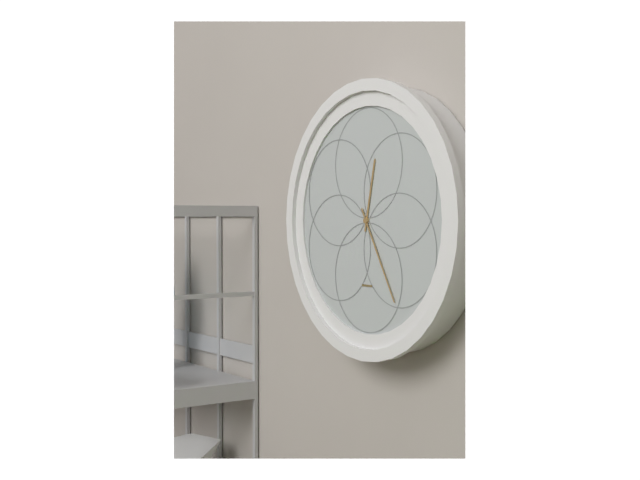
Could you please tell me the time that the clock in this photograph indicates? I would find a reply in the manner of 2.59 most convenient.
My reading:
12.25
